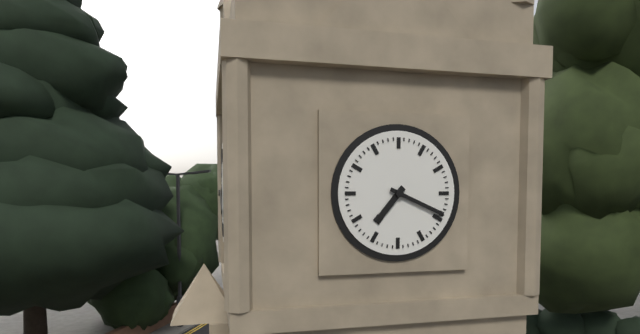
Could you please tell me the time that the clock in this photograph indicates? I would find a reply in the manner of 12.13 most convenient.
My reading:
7.19
